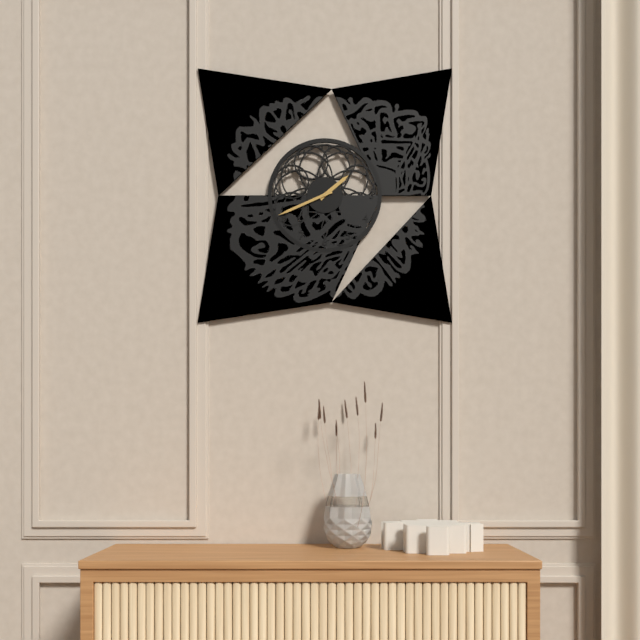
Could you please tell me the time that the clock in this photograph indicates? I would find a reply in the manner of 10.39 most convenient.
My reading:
1.41
